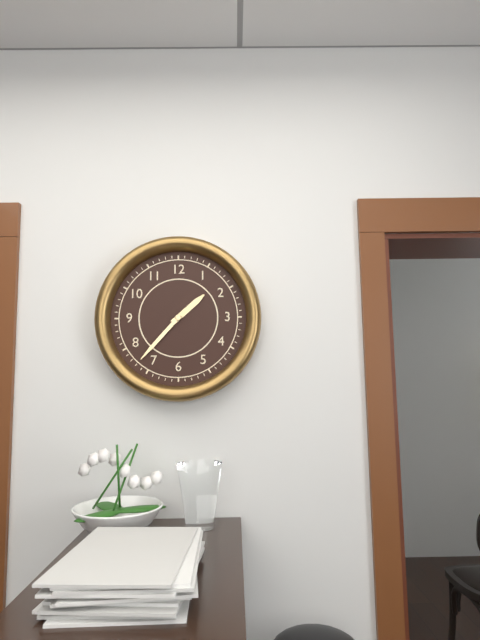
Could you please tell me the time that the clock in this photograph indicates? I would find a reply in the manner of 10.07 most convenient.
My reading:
1.37
